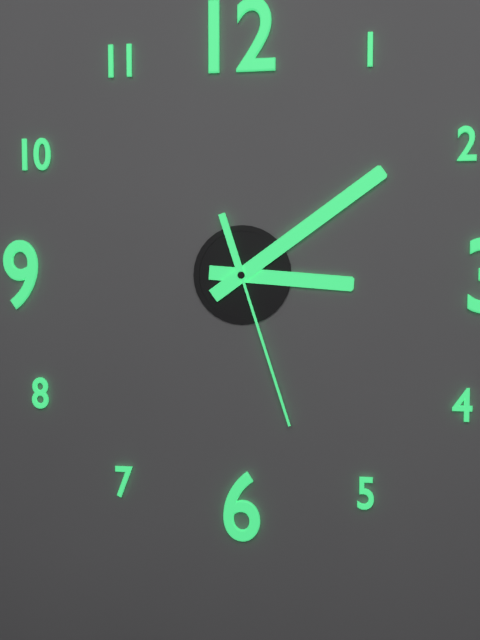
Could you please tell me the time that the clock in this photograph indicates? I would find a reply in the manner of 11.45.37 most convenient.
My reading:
3.09.27
